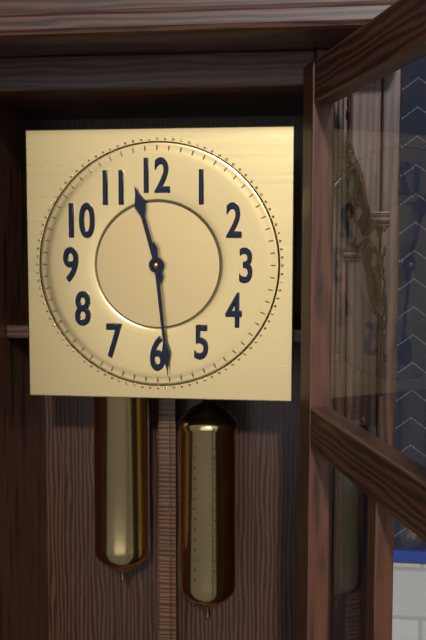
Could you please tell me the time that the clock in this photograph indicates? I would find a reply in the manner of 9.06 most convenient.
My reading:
11.29
